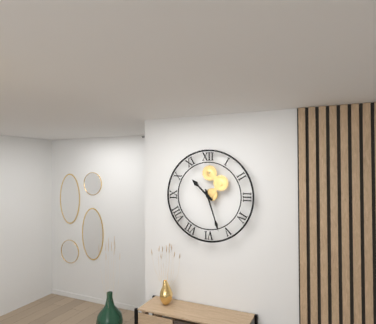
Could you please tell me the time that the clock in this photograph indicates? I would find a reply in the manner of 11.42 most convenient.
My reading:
10.27
